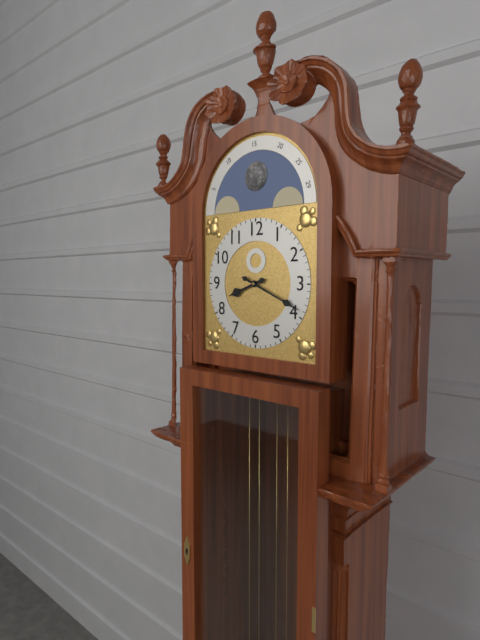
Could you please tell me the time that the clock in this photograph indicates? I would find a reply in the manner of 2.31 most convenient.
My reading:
8.19
